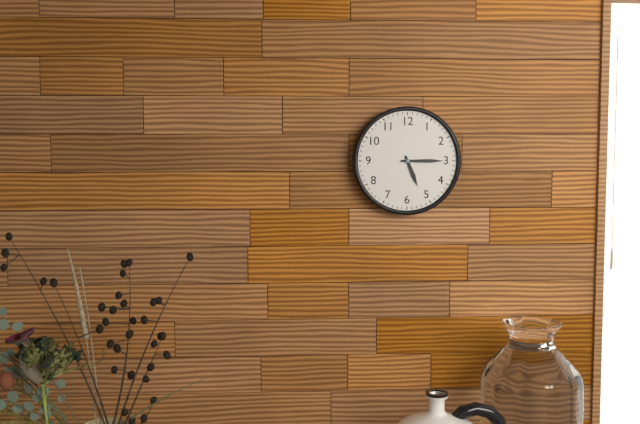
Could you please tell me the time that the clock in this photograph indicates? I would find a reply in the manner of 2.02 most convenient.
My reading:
5.15
